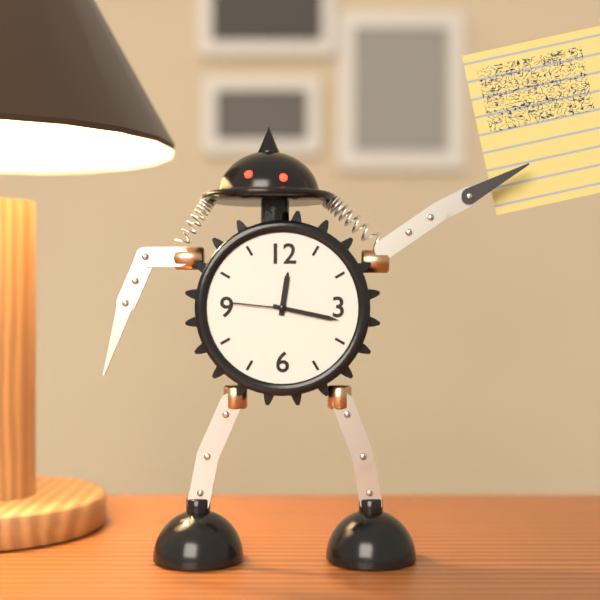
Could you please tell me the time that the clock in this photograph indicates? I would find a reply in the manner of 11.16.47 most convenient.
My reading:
12.17.46
